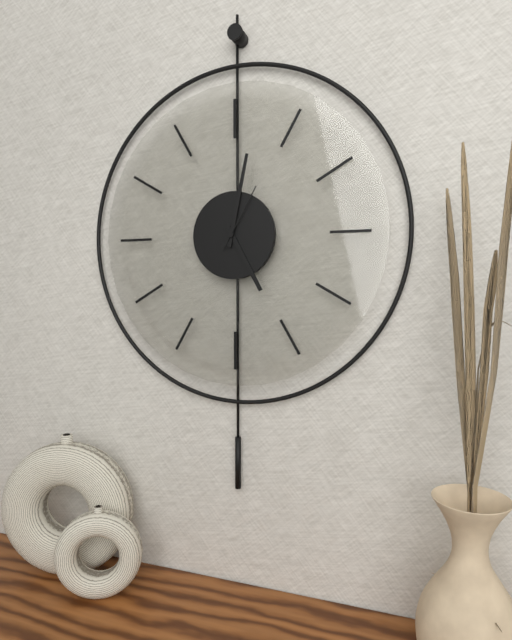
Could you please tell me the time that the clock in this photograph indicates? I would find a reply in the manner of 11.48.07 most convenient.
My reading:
5.02.05
